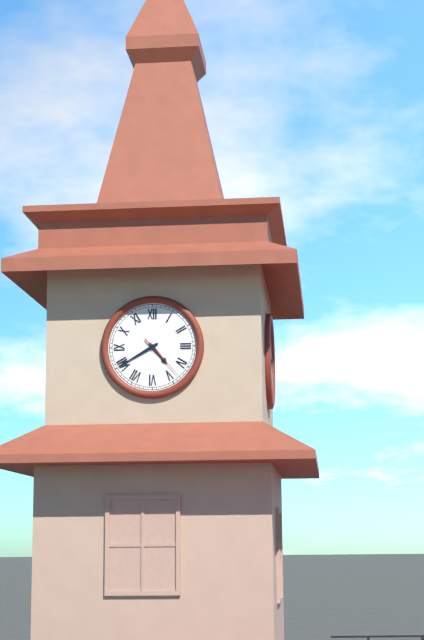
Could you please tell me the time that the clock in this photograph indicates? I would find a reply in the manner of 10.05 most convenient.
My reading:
4.40
